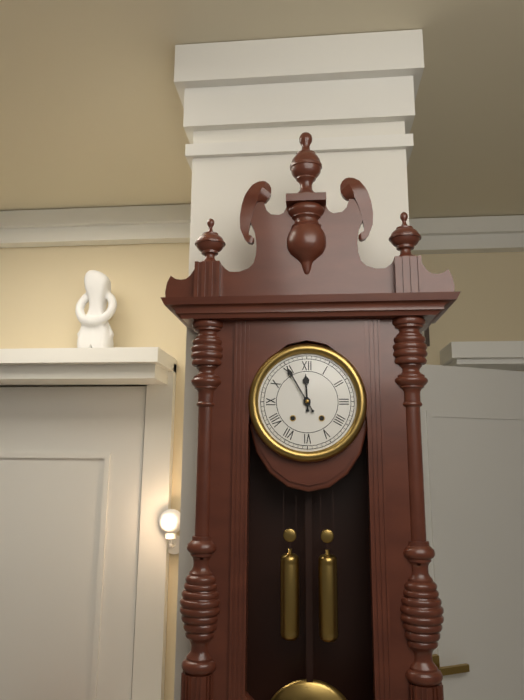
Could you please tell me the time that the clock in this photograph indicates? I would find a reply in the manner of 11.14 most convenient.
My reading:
11.55
